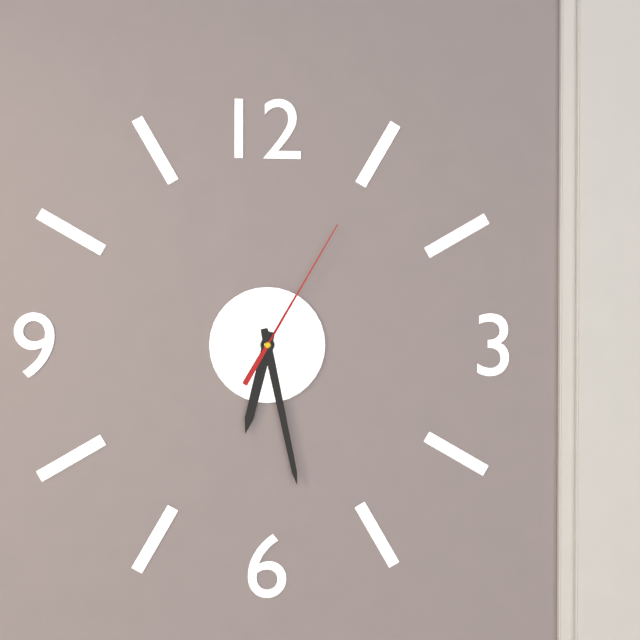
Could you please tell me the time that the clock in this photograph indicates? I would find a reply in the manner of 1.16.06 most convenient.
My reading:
6.28.05
